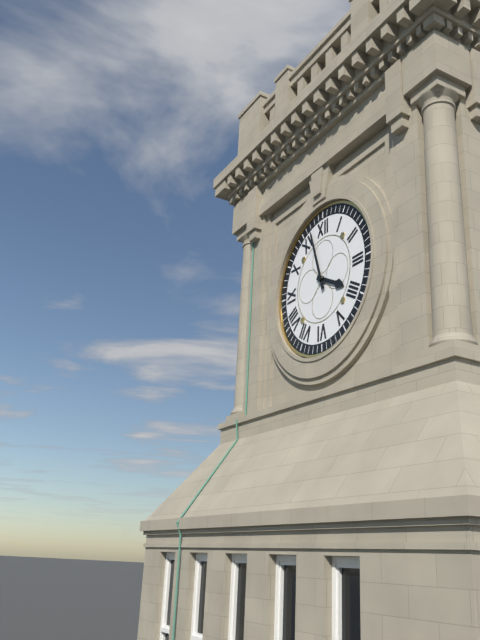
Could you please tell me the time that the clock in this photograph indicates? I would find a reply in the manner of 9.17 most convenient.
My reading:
3.57
